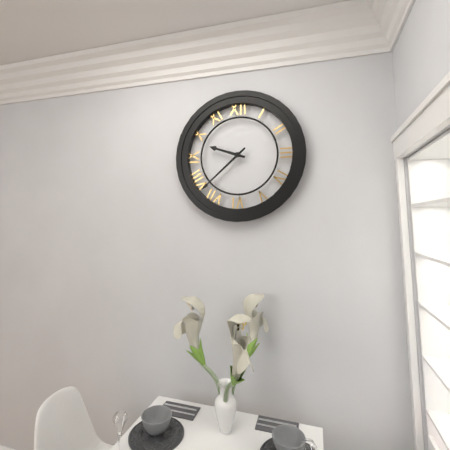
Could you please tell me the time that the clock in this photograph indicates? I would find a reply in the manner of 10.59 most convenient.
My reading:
9.38
